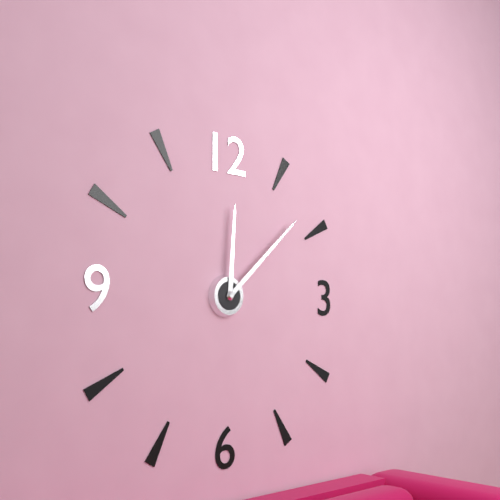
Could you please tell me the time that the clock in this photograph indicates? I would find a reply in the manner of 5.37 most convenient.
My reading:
12.08
